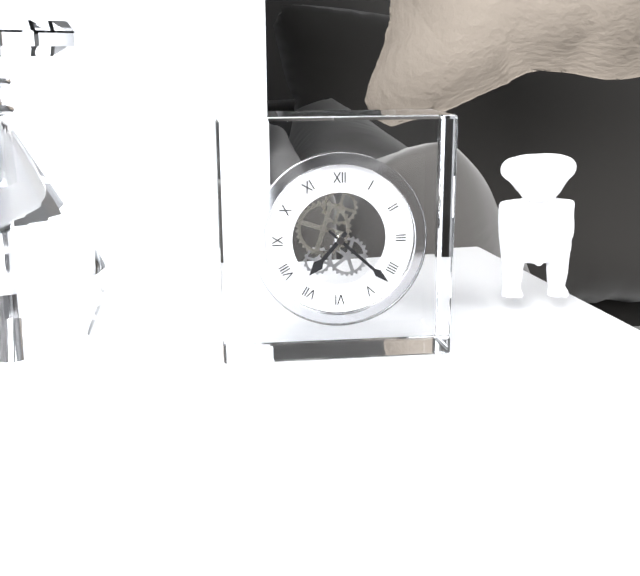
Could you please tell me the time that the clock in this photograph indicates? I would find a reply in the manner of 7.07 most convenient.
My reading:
7.22
